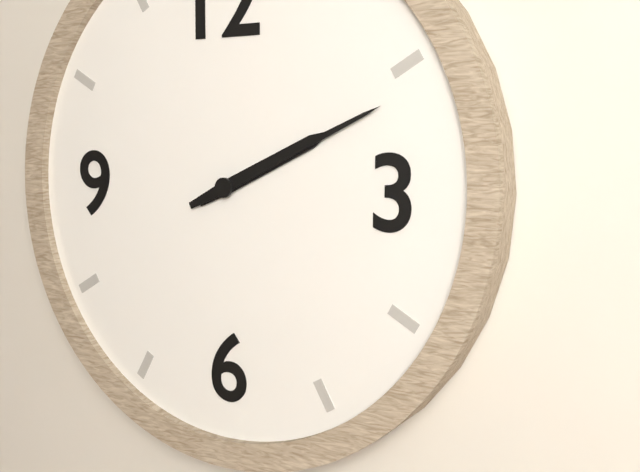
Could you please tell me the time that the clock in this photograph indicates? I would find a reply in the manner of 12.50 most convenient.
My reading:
2.11
